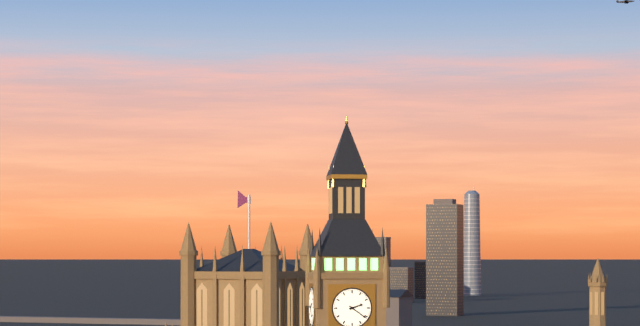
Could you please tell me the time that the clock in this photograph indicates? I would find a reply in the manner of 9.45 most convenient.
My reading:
2.21
